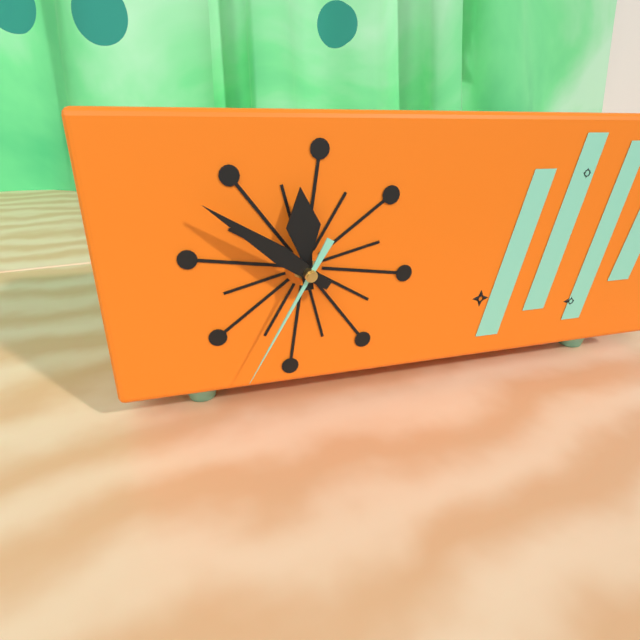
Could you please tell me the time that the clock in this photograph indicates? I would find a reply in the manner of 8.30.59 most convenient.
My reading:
11.51.35
